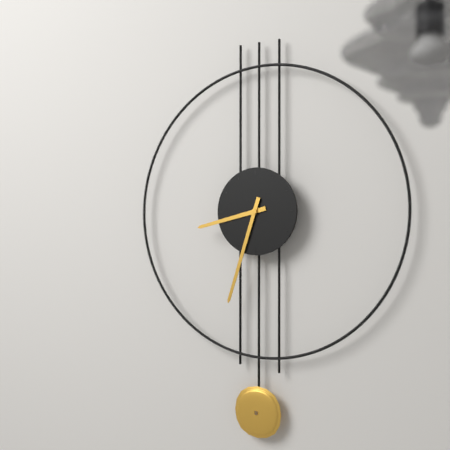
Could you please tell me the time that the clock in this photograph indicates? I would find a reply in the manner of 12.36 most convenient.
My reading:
8.33
